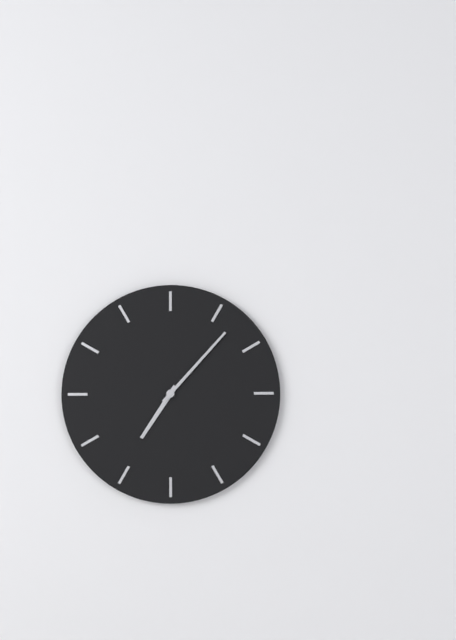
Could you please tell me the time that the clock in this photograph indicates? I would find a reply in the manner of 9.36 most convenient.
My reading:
7.07
